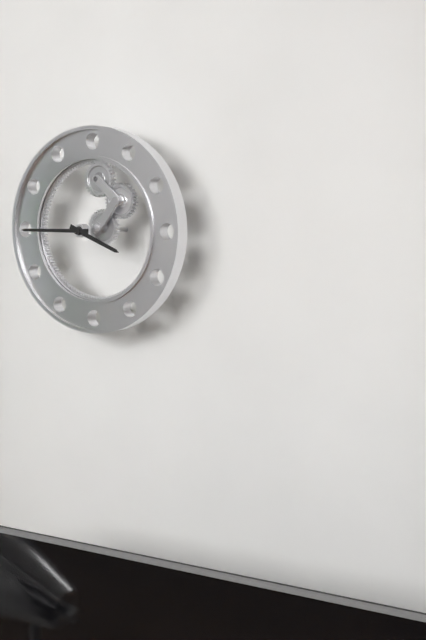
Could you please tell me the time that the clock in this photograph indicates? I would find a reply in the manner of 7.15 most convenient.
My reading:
3.45
